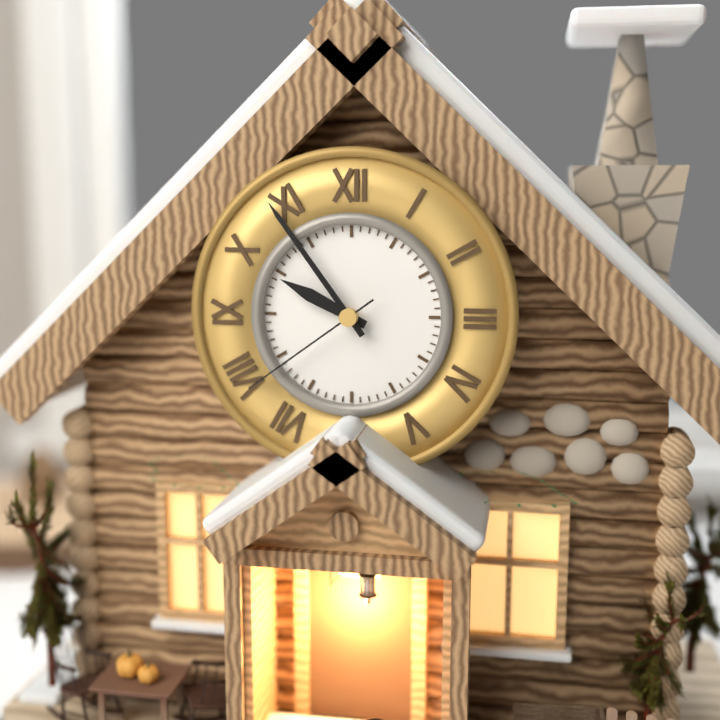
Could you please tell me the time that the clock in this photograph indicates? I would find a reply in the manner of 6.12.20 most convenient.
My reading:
9.54.39
